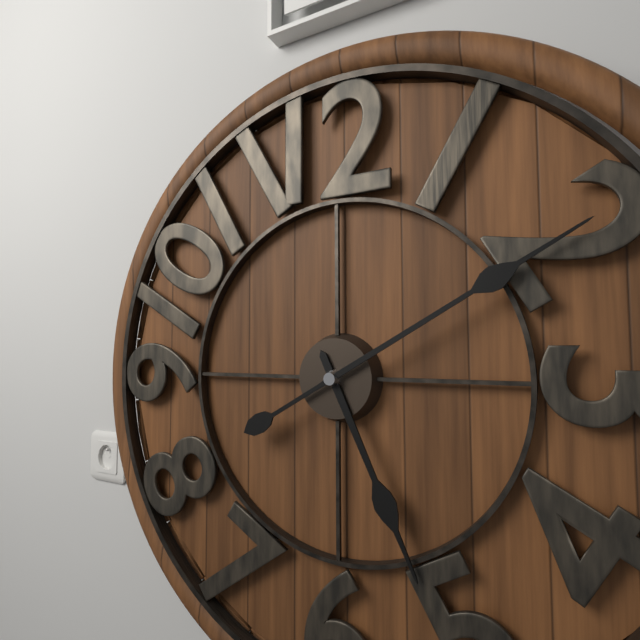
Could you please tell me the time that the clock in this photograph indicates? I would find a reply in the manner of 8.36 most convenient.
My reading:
5.10
